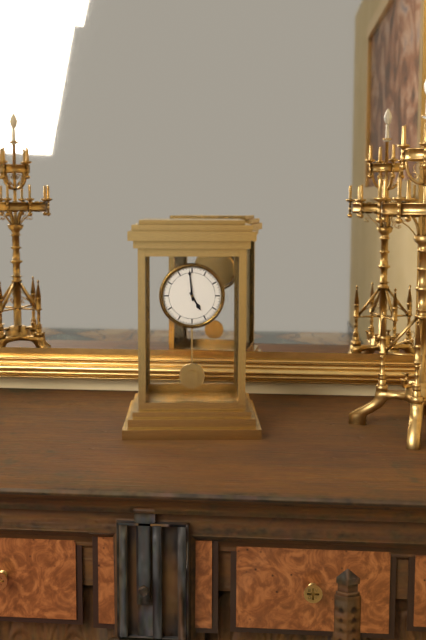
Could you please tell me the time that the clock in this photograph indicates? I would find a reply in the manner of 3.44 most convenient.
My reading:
4.59
